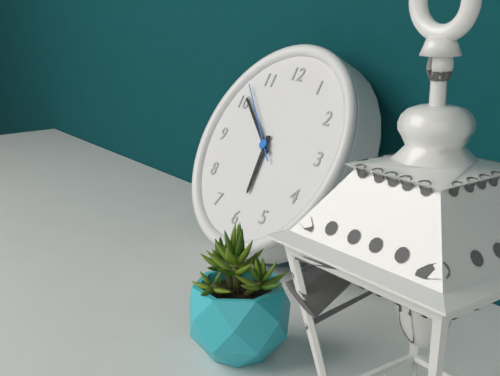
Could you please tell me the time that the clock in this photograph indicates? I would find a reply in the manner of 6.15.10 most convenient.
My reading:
5.51.52
